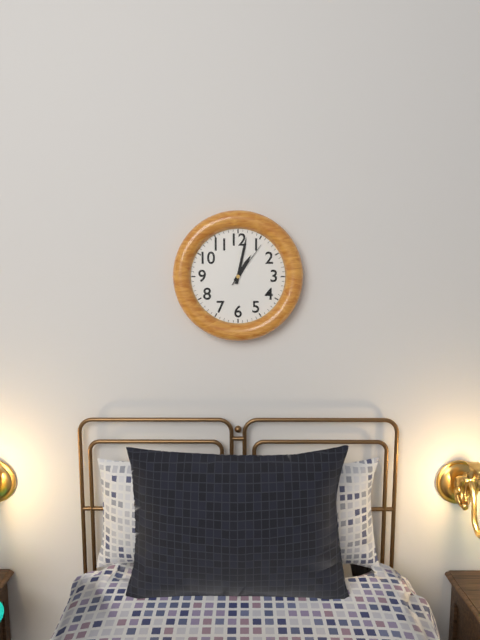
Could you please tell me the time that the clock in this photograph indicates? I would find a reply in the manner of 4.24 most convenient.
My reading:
1.02
